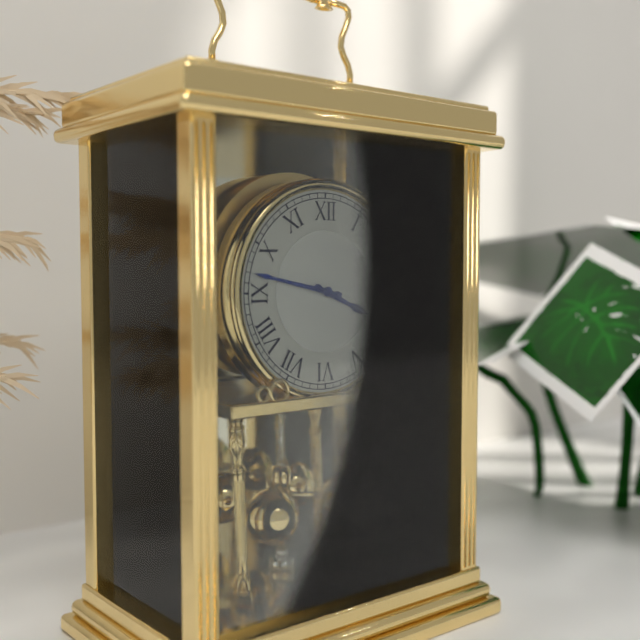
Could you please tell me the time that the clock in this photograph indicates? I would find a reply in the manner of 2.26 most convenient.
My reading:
3.47
